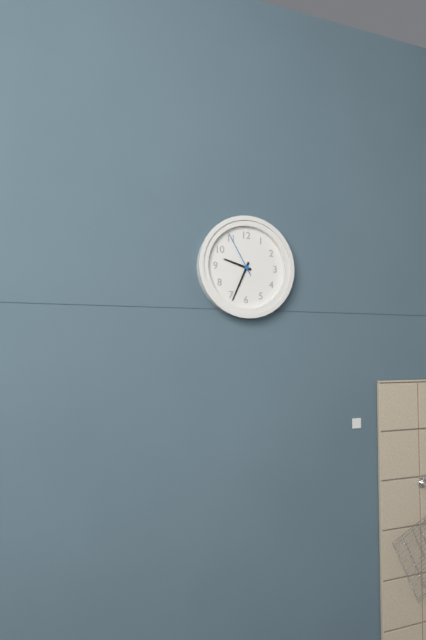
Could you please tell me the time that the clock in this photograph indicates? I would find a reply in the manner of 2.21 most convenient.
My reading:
9.34
